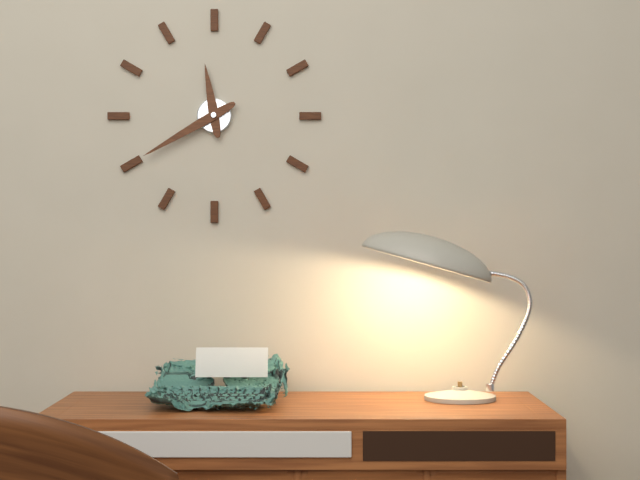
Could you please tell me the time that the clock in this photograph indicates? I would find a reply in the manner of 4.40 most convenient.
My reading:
11.40
